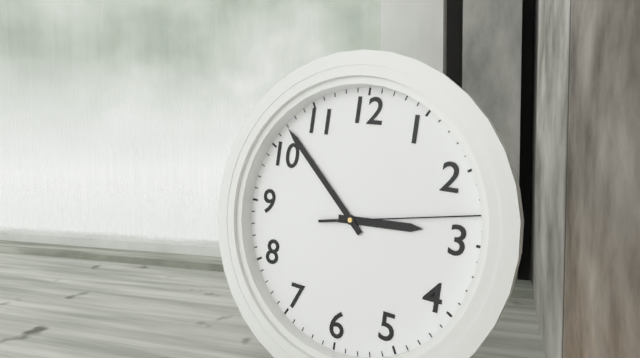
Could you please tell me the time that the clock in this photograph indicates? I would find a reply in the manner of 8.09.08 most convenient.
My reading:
2.52.13
